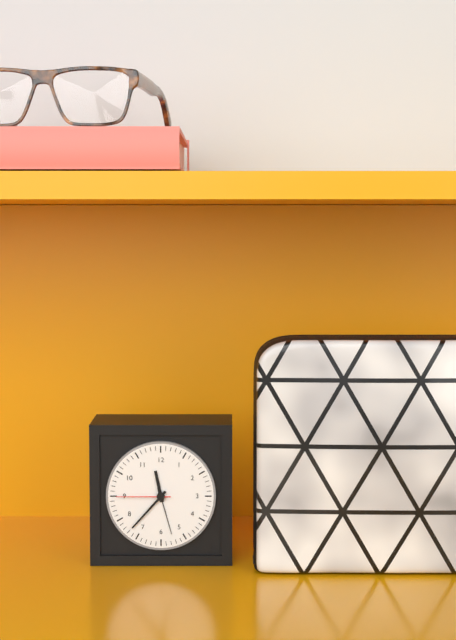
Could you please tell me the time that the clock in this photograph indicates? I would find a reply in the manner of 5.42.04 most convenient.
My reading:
11.37.45
